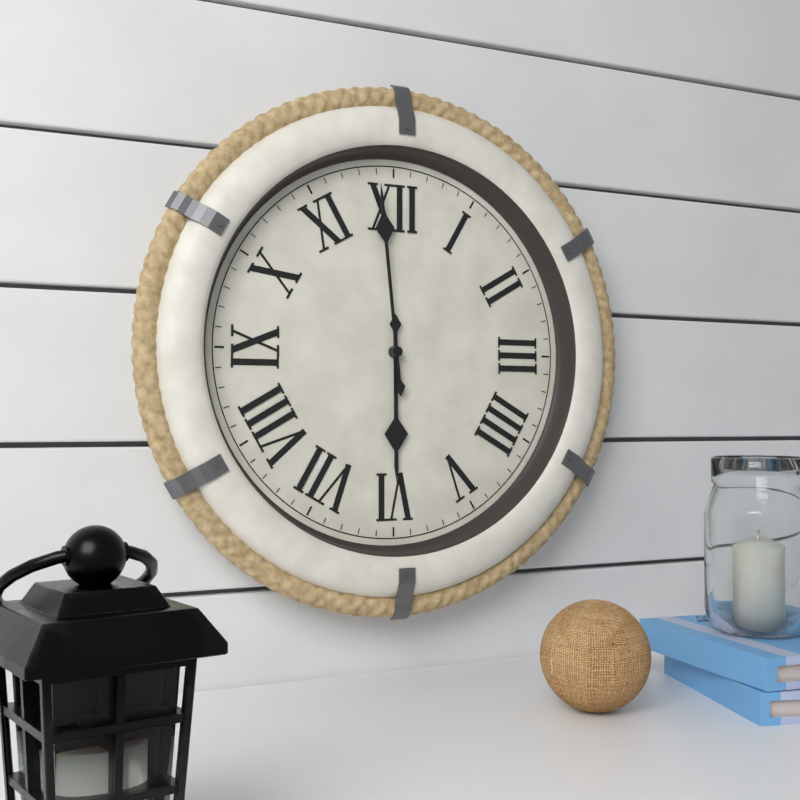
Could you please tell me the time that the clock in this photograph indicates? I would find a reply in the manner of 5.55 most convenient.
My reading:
5.59
